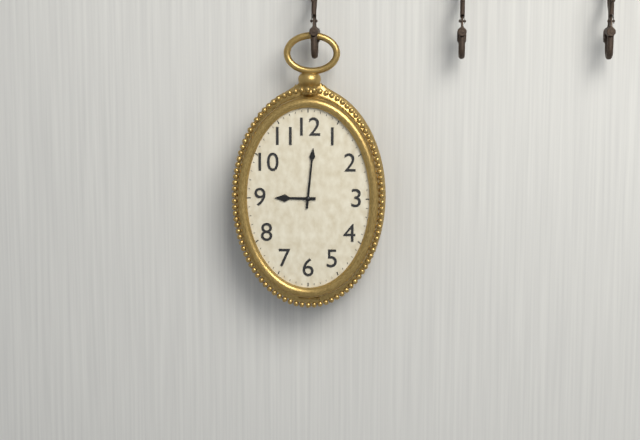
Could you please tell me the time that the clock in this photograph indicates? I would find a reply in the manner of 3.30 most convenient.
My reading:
9.01
